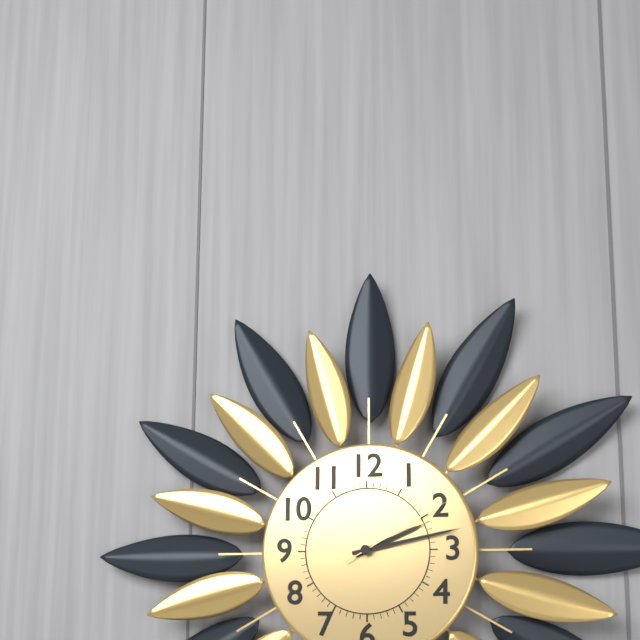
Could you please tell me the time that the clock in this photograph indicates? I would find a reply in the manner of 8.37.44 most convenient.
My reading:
2.13.10
